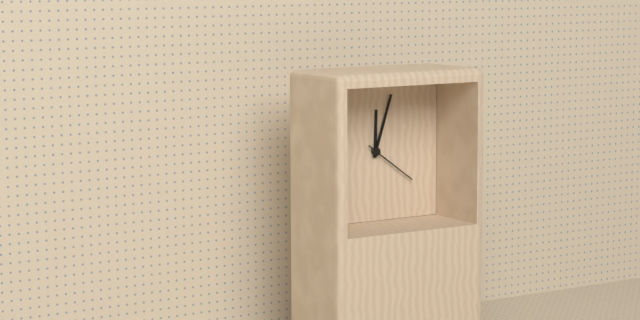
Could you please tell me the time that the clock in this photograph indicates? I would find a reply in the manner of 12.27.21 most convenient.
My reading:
12.03.21
